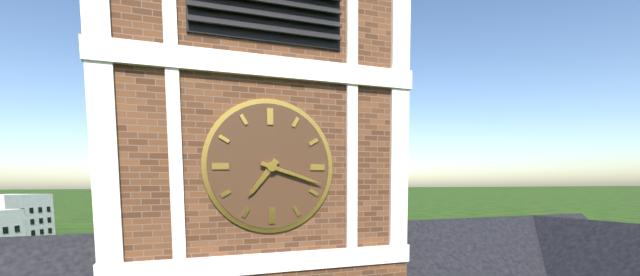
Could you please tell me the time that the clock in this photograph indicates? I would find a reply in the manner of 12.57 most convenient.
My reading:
7.18
